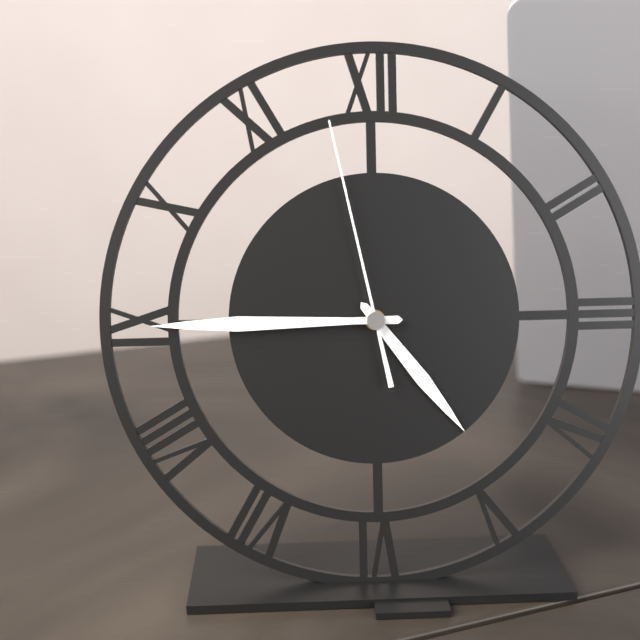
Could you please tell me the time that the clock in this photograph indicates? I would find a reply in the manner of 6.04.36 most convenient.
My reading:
4.45.58
